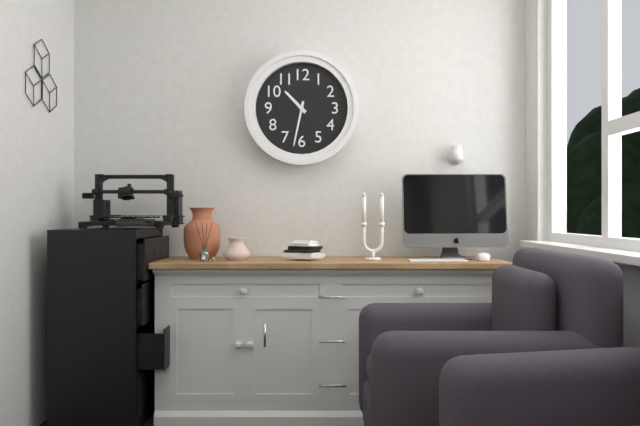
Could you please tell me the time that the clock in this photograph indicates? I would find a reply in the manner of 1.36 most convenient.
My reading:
10.32
